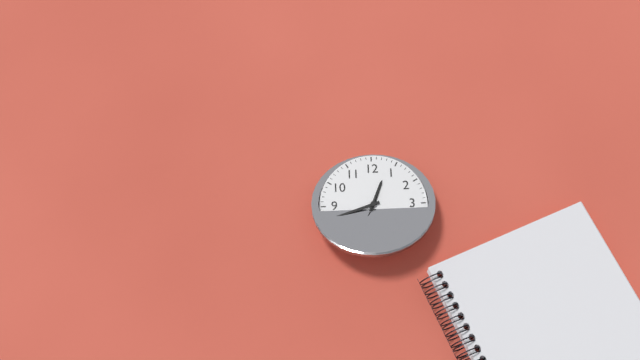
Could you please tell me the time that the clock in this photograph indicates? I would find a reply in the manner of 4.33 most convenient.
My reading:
12.42
